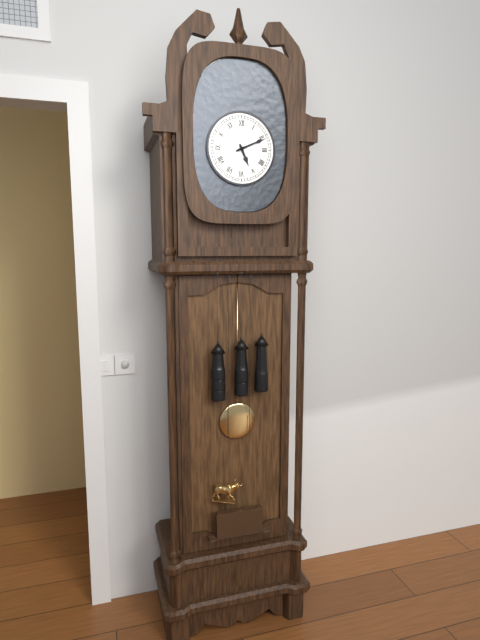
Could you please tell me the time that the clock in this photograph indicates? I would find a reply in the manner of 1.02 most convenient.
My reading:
5.11
